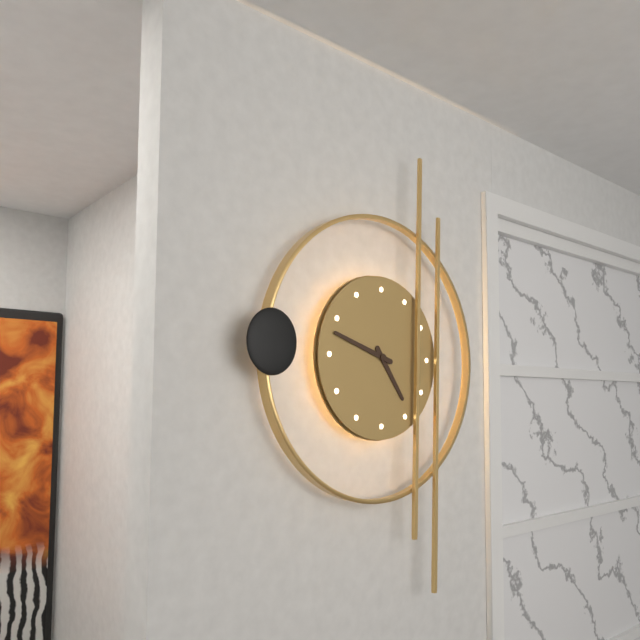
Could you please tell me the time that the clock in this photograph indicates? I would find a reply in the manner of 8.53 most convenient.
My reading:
4.48
